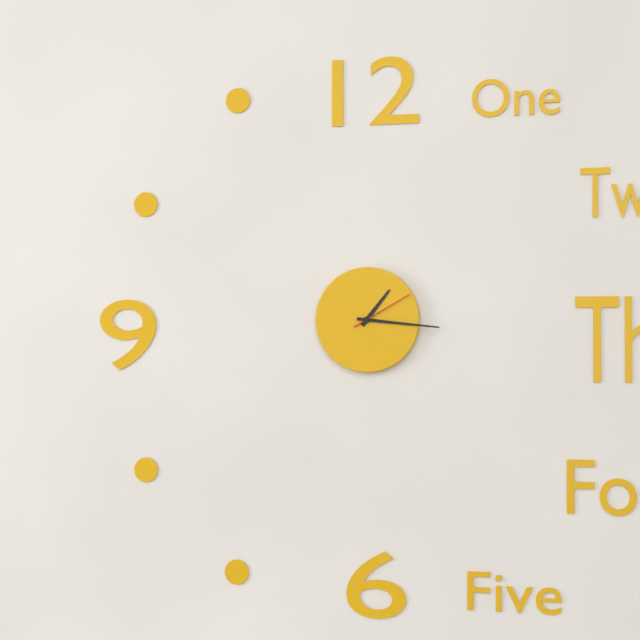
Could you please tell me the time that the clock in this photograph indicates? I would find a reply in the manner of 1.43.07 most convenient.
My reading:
1.16.10
